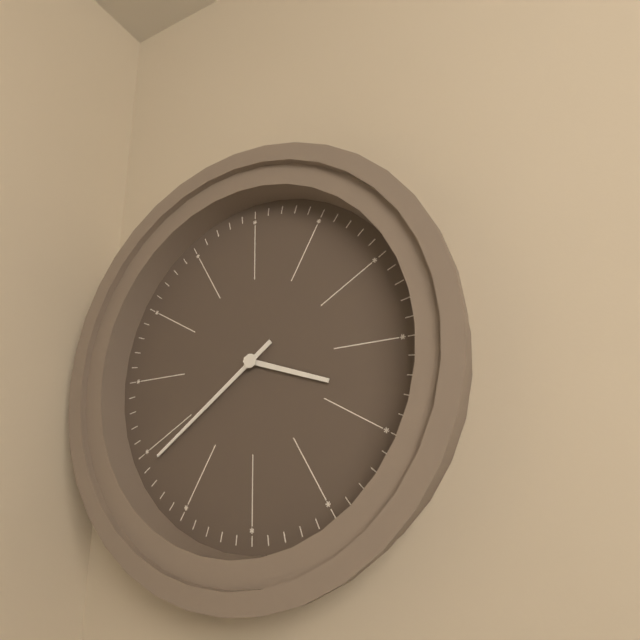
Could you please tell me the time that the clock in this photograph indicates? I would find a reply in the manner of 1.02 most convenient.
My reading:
3.39
